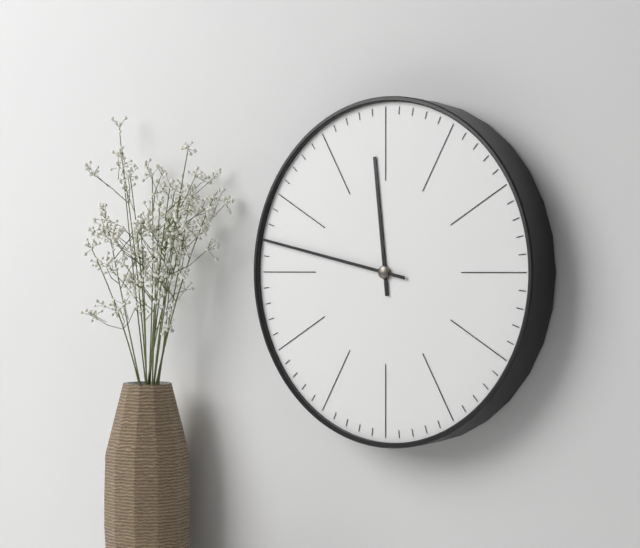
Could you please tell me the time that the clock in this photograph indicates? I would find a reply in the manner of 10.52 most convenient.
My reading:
11.47
